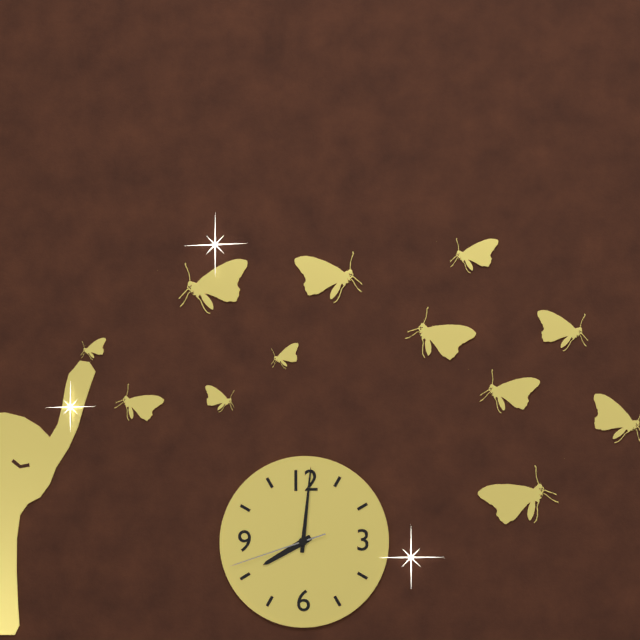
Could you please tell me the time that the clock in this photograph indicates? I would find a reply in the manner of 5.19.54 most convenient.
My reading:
8.01.42
